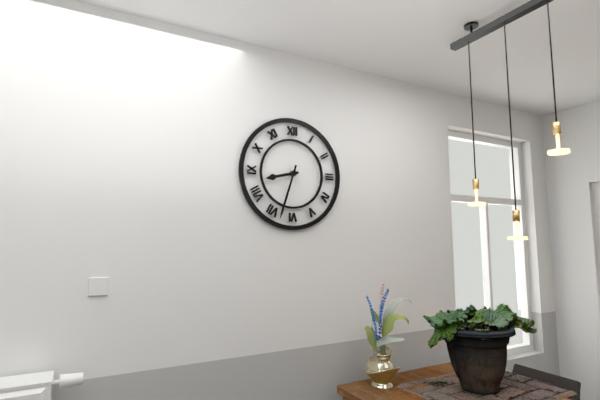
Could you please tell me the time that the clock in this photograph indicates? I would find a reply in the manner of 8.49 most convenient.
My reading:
8.33
